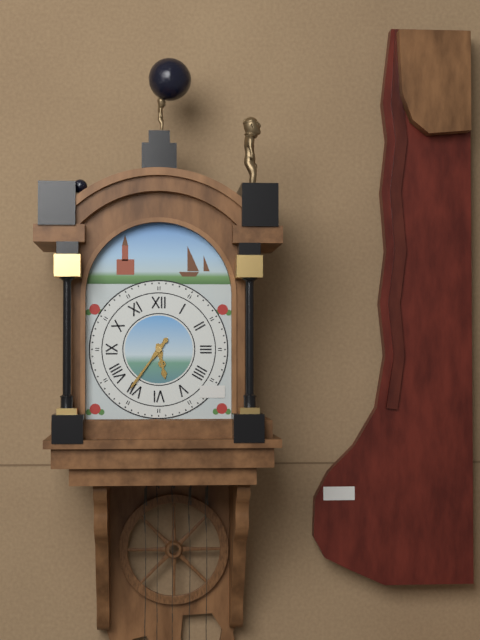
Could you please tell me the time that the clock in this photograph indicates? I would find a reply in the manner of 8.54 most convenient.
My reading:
5.36
